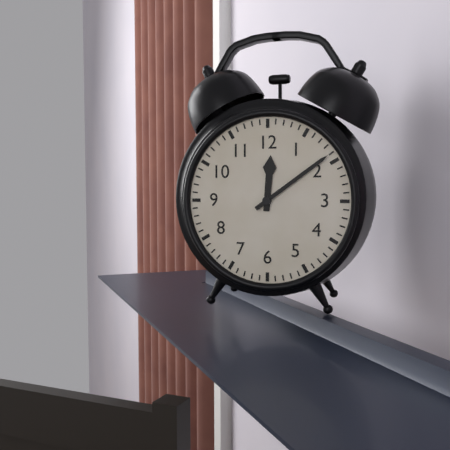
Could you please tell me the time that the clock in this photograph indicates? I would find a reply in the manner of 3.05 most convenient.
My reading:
12.09
